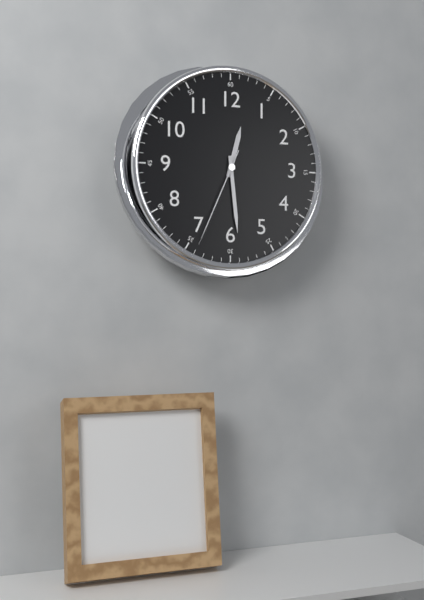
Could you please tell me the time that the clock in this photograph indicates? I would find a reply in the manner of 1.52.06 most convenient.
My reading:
12.29.34
